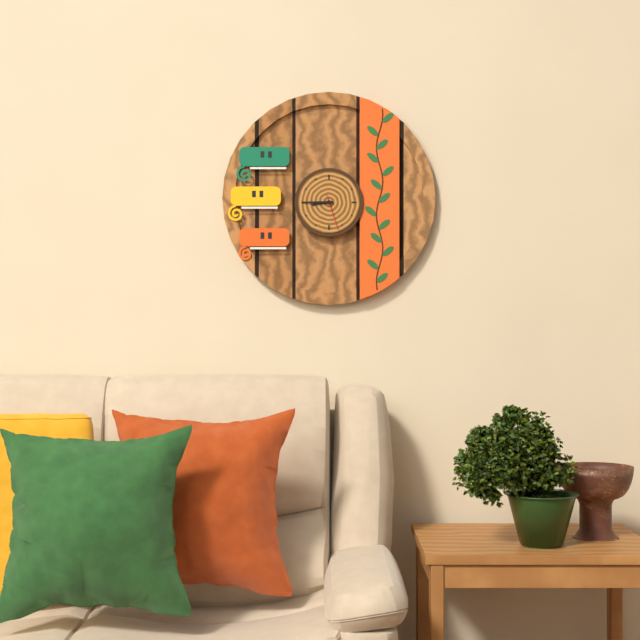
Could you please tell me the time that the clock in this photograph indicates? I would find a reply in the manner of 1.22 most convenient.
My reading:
8.45
